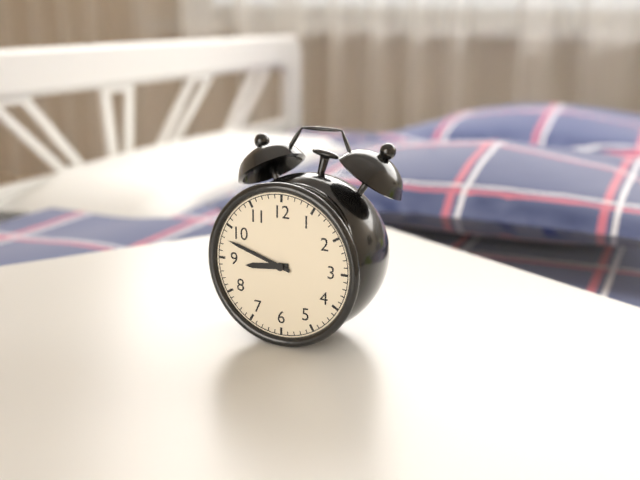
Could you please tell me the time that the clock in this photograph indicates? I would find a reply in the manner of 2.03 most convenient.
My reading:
8.48
